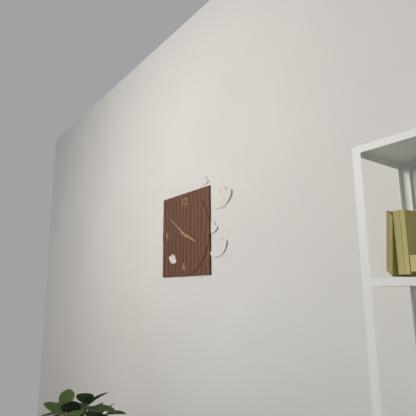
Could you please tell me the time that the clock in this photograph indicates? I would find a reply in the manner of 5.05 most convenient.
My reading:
3.51
